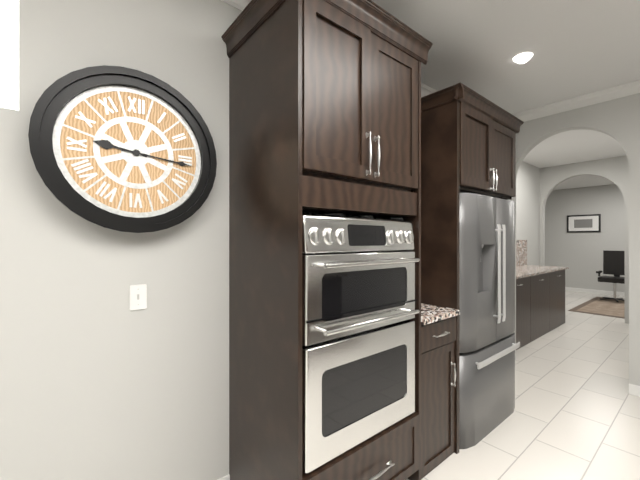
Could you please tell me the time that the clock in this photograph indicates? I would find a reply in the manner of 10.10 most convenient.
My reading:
9.16
